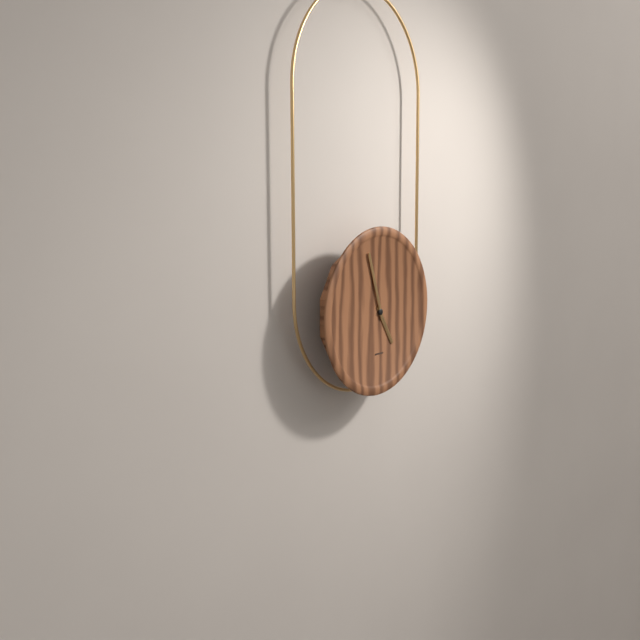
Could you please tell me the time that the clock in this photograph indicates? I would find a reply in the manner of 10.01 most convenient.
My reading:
4.57
